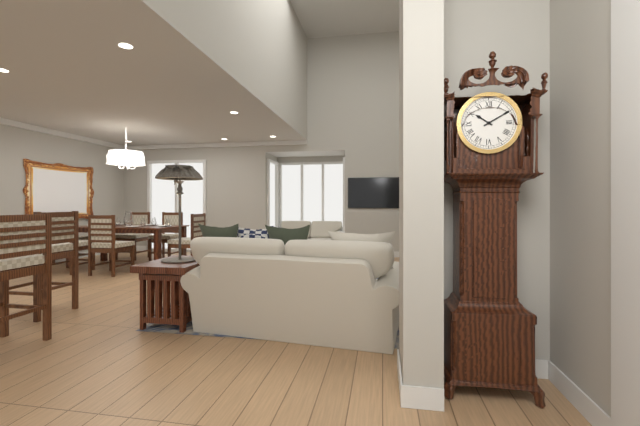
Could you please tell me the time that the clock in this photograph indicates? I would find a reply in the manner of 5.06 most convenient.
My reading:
10.10
